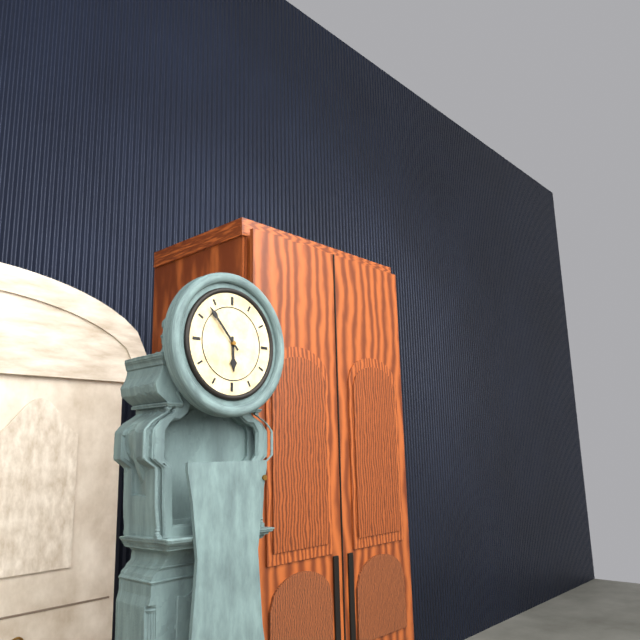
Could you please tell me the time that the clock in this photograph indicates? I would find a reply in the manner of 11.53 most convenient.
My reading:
5.53
